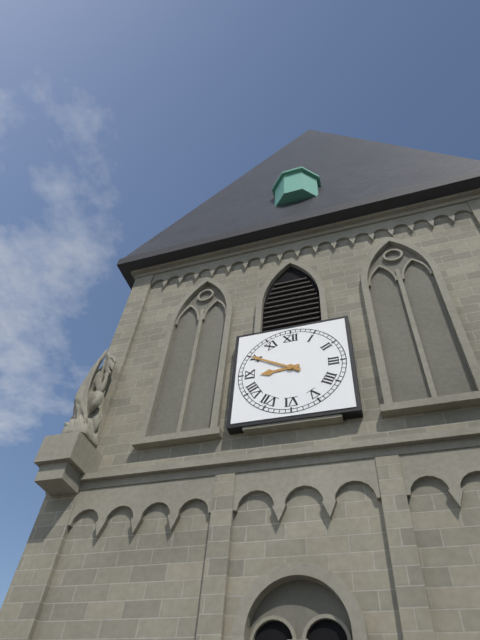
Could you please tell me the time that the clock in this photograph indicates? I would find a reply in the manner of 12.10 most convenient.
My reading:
8.50
